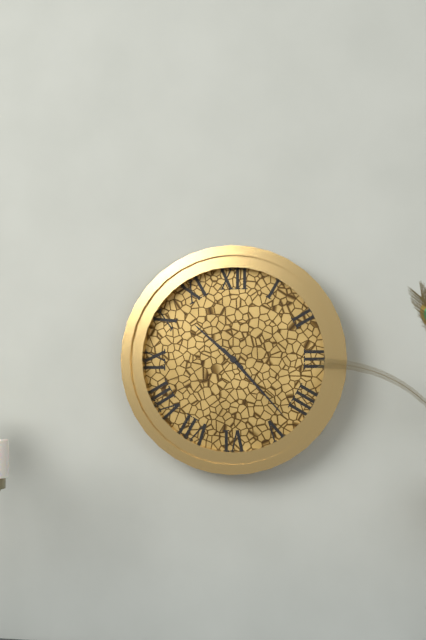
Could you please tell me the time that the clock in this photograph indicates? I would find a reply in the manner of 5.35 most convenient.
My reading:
10.23
